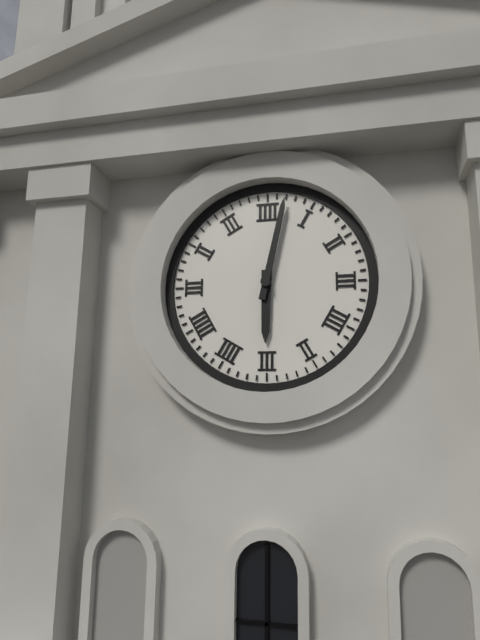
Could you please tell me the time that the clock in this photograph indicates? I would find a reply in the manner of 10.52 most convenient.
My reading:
6.02
